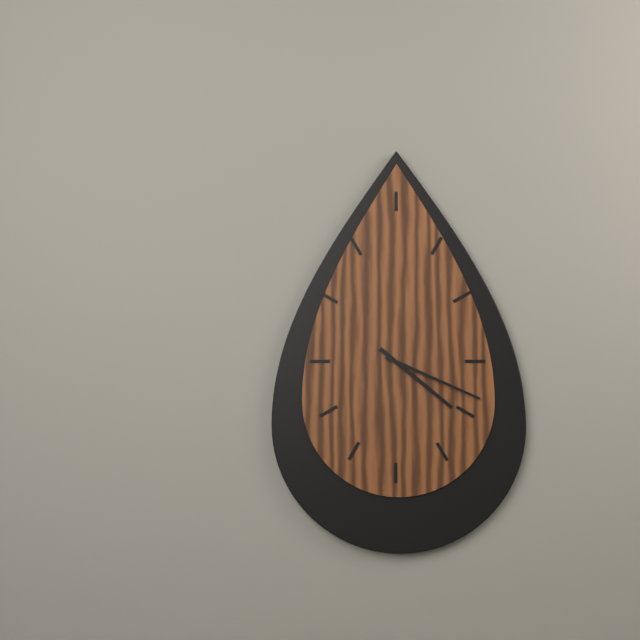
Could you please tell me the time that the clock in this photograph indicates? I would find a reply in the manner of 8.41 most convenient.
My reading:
4.19
